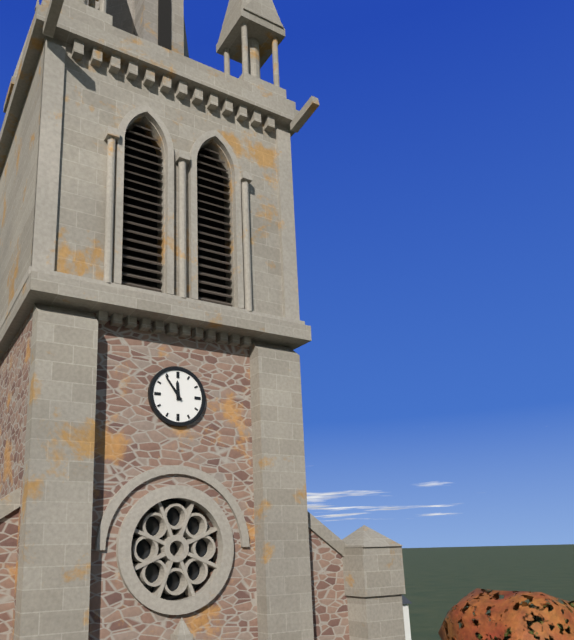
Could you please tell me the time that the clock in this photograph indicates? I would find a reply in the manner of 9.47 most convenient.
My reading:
11.54
